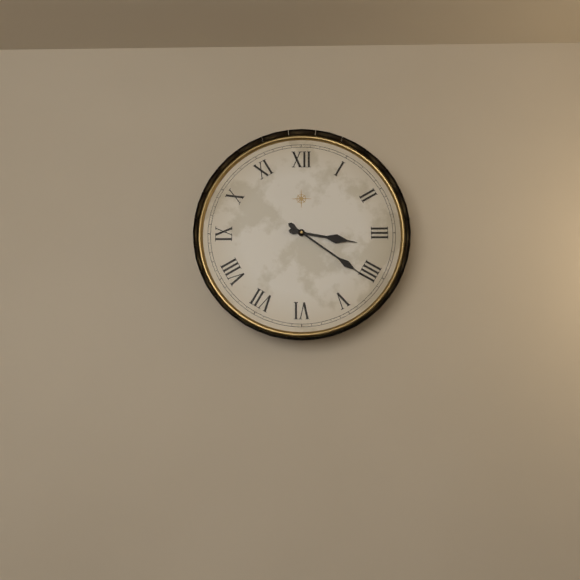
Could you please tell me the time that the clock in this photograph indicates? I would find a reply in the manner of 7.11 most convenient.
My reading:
3.21
